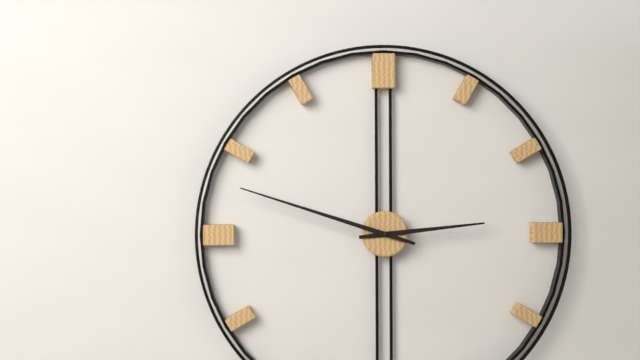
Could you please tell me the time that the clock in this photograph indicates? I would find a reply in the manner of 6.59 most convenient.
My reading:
2.48
